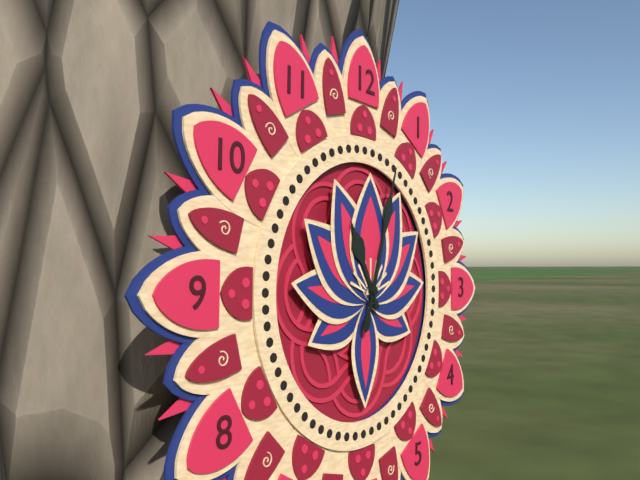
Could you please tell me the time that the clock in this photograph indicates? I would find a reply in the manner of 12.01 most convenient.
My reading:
11.03
